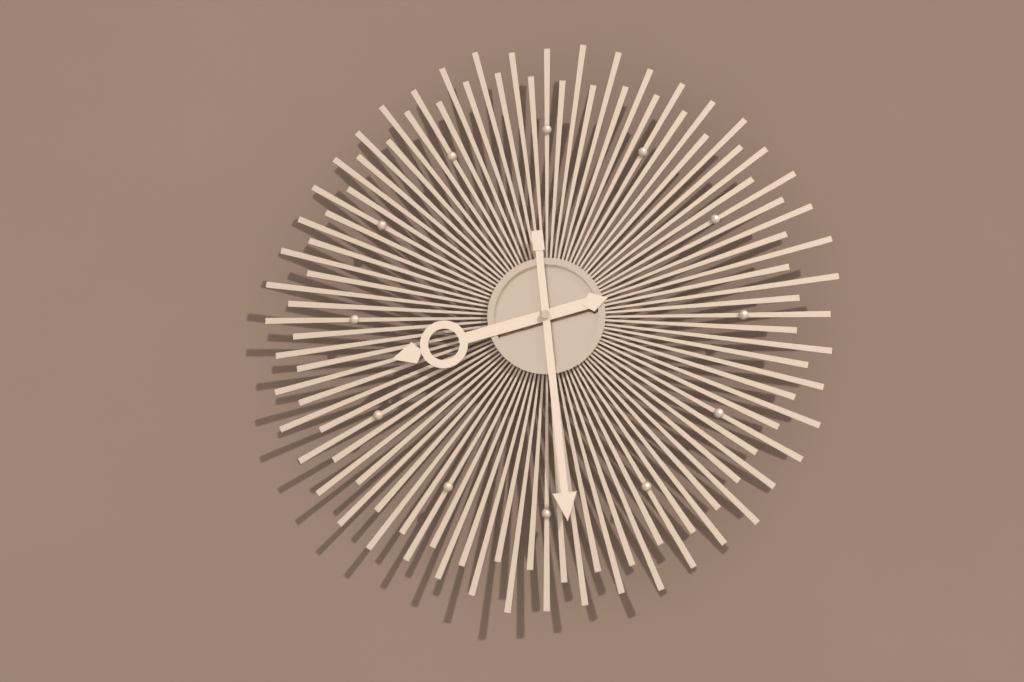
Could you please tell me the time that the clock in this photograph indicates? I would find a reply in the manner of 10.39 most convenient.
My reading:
8.29
